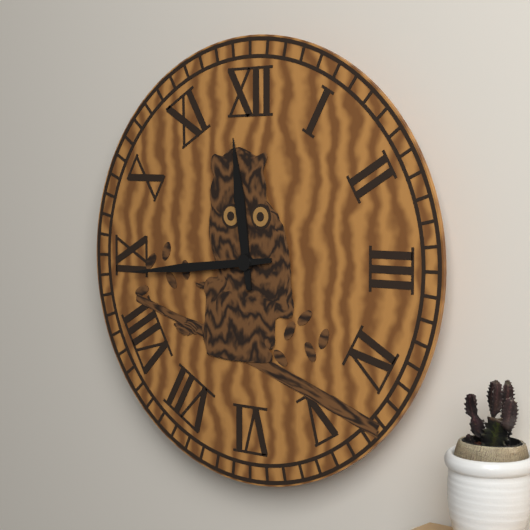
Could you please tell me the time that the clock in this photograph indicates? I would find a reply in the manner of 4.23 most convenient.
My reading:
11.44
